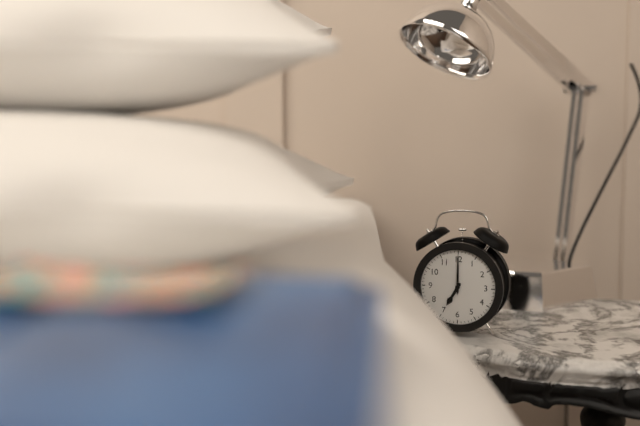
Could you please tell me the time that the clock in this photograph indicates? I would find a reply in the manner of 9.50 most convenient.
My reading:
7.00
